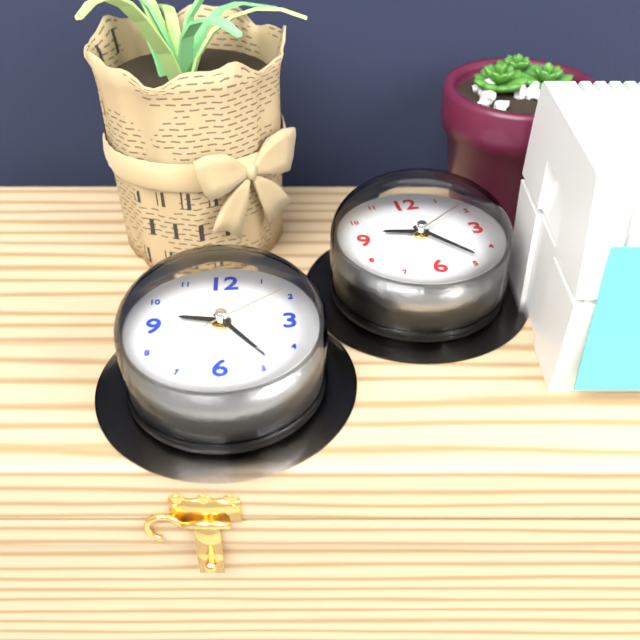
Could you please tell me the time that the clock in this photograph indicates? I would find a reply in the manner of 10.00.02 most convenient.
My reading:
9.24.09
